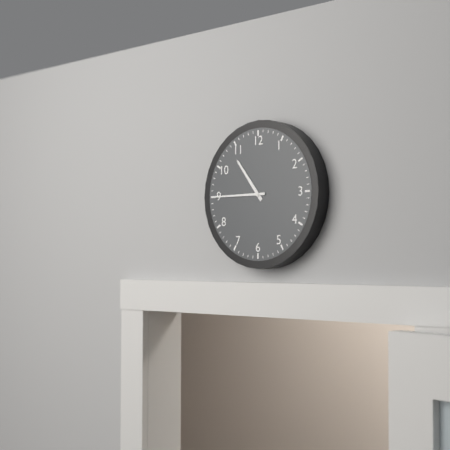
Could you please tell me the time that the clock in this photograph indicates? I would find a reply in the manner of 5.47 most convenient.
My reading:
10.45
